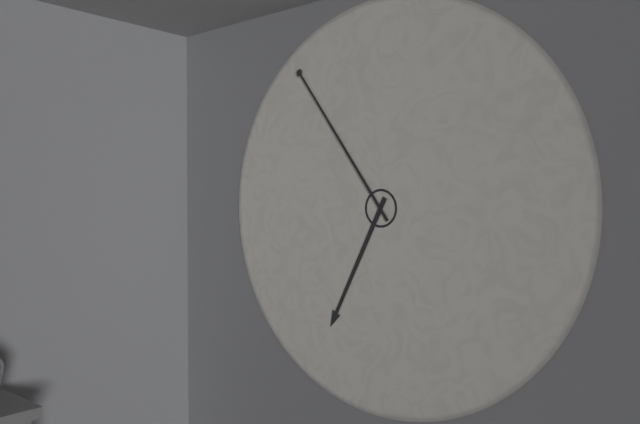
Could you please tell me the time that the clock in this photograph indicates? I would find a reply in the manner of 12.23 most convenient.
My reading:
6.54
